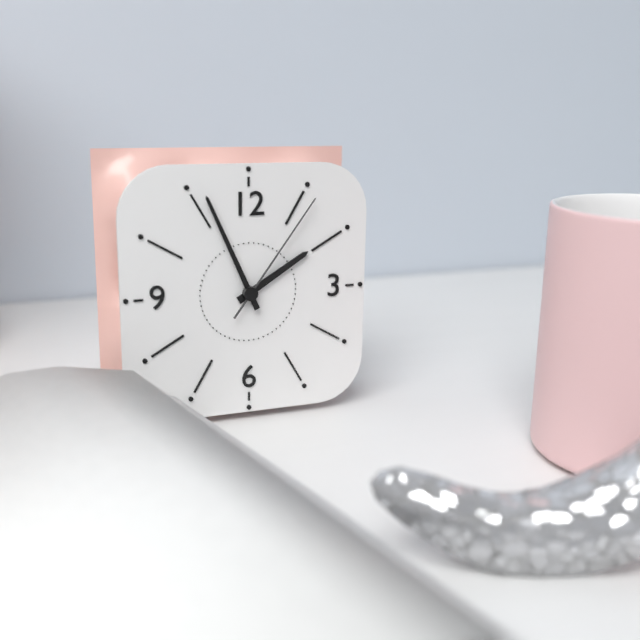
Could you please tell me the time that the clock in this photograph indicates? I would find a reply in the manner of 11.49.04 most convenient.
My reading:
1.56.06
